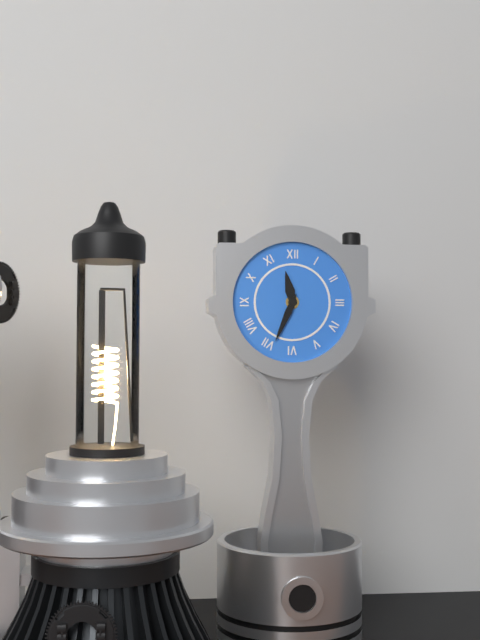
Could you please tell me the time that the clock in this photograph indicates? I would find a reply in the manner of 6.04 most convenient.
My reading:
11.34
